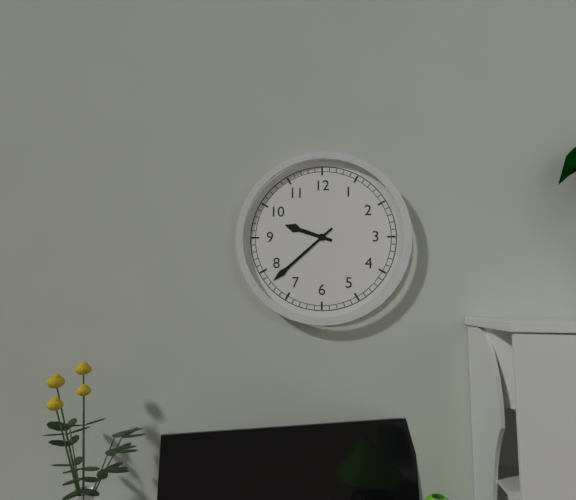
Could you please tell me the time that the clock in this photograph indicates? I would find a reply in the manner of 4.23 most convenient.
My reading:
9.38
